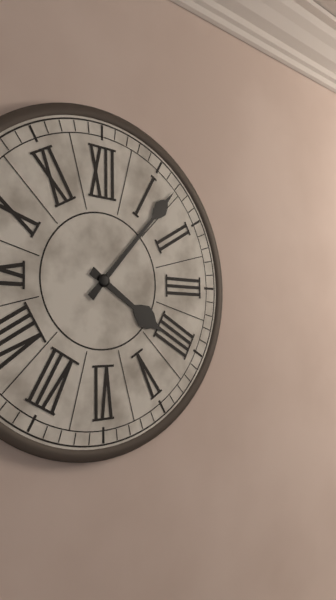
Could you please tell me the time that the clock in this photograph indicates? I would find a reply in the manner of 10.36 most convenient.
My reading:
4.07
